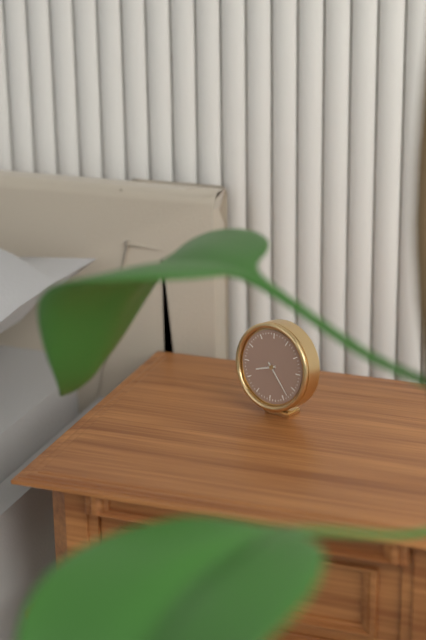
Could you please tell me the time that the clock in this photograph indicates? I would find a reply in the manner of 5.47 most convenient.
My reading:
8.23
